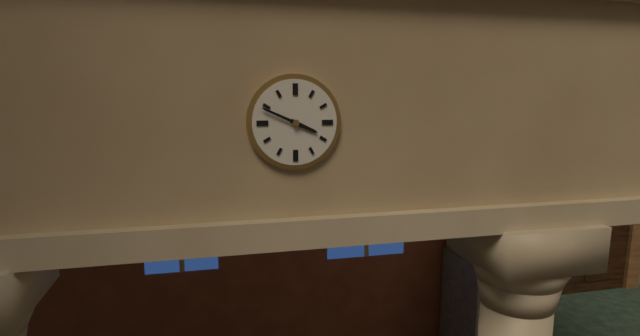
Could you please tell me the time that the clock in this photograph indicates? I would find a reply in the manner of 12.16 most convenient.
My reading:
3.49
